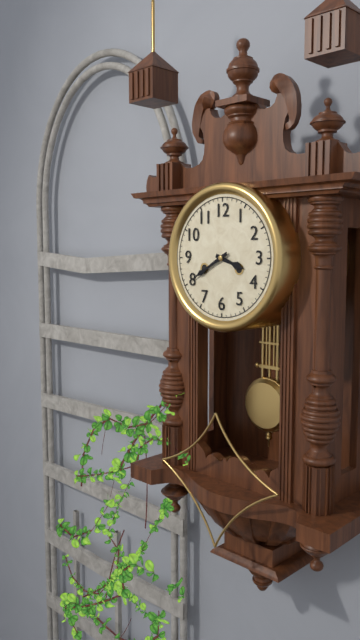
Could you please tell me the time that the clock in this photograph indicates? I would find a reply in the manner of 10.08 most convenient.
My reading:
3.40
